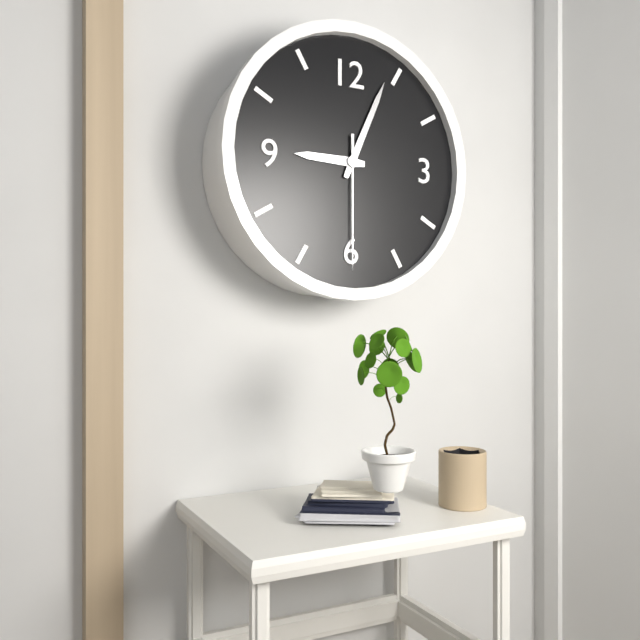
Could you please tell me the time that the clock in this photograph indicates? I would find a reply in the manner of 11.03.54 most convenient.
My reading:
9.04.30
